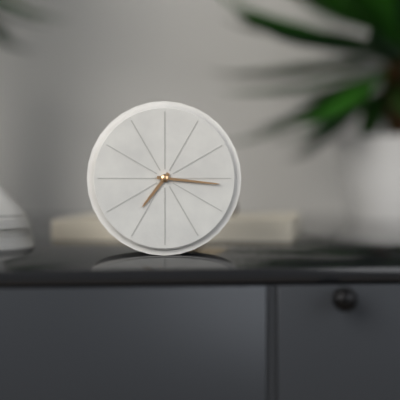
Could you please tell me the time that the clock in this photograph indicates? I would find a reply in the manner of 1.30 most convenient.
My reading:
7.16
